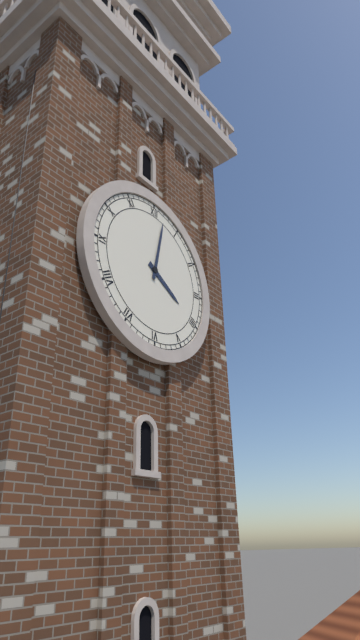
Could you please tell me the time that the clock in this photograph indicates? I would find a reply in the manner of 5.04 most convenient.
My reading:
4.02
